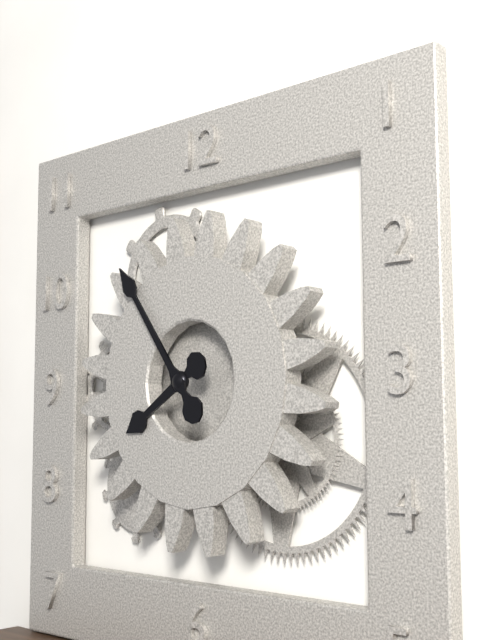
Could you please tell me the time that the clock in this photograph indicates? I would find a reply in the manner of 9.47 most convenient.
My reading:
7.54
